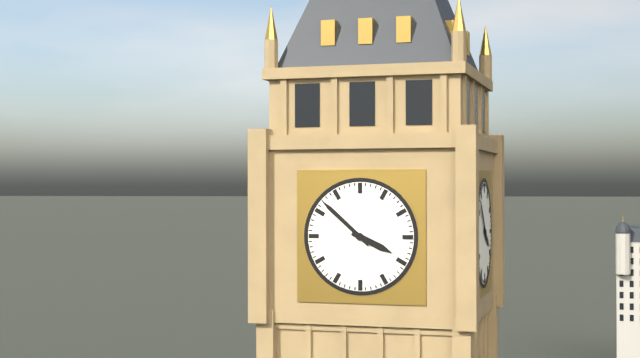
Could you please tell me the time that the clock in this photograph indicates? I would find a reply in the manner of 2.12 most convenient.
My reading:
3.52
